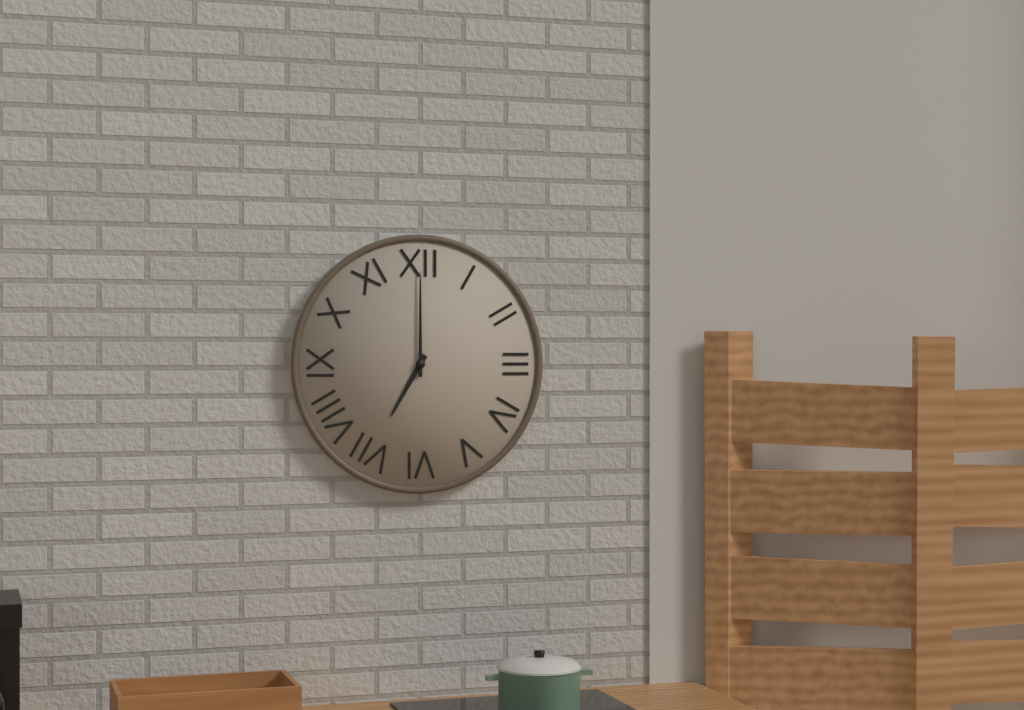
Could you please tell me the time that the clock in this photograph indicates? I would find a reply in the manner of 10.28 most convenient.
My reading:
7.00
